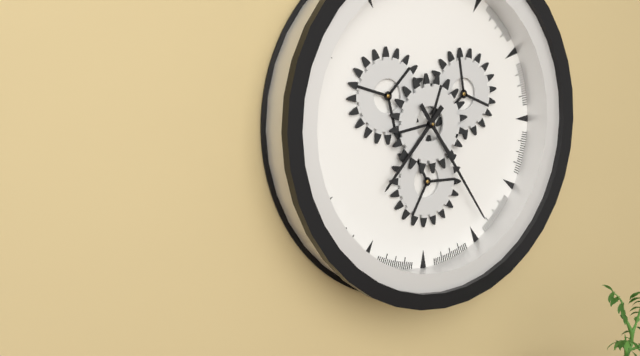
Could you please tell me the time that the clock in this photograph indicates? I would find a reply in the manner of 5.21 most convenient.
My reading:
7.24
